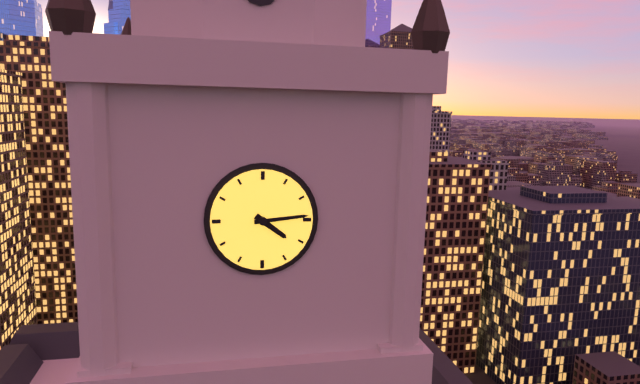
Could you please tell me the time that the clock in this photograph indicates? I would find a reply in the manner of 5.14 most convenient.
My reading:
4.14
